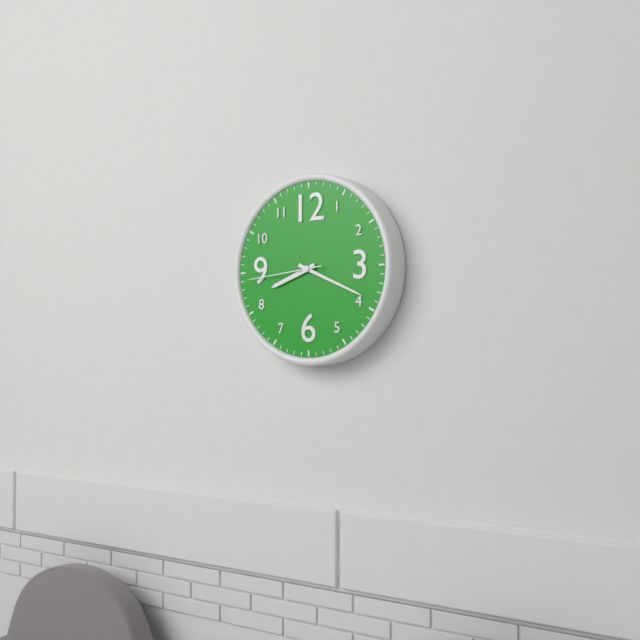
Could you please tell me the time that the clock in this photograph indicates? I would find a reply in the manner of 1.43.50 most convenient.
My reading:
8.19.44
